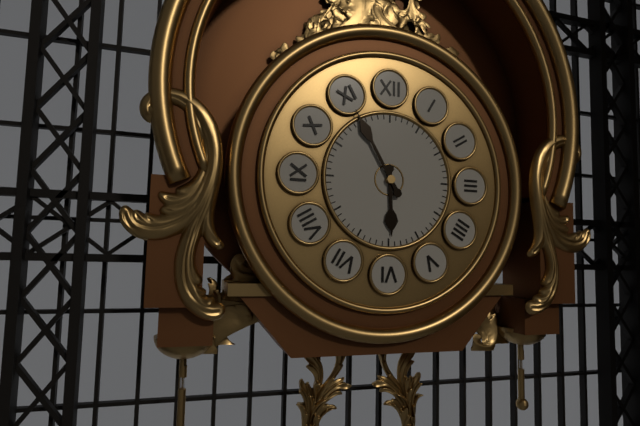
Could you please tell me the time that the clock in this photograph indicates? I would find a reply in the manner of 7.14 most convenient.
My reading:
5.55
